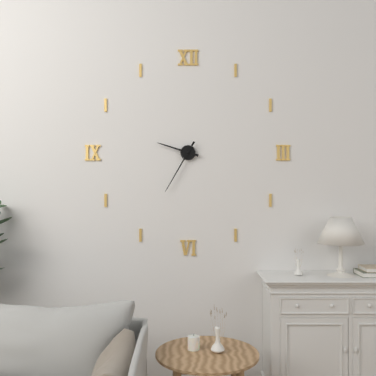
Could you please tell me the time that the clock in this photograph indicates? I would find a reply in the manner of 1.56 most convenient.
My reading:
9.35
